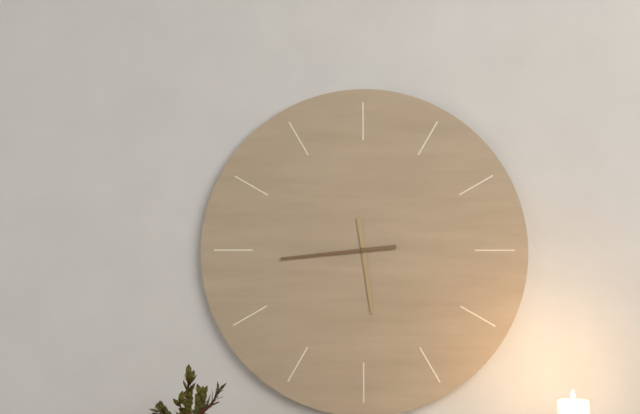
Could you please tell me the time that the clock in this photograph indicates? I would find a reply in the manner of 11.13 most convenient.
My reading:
5.44
